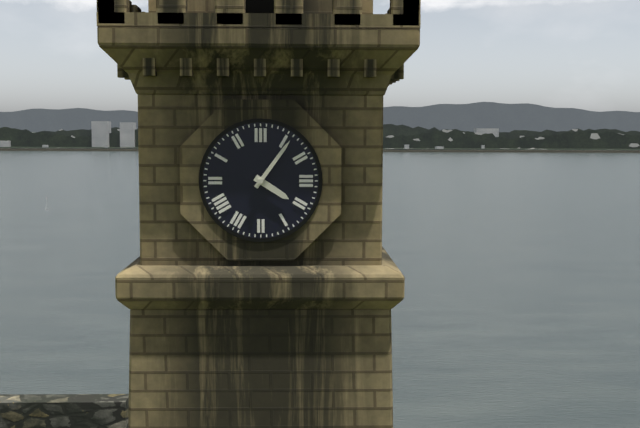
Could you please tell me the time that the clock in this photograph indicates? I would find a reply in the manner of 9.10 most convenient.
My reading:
4.06
